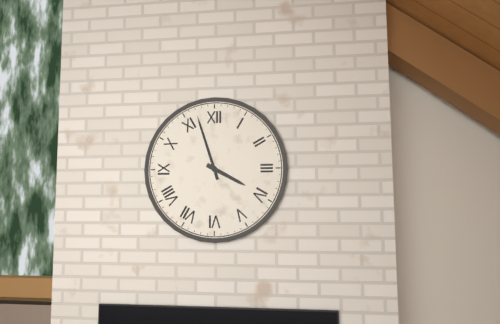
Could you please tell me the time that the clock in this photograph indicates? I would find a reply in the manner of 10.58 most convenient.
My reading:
3.57
